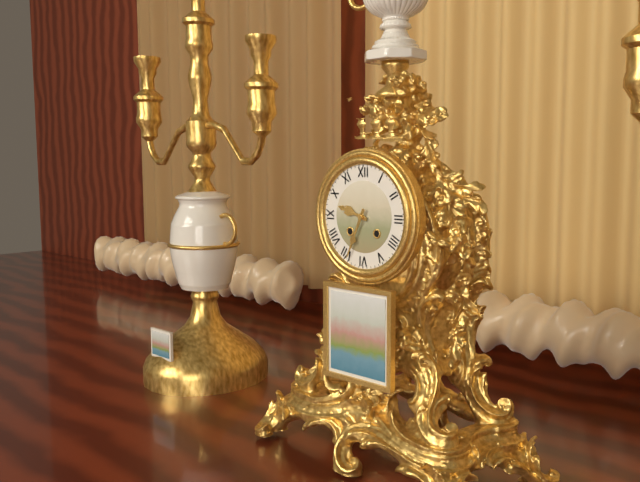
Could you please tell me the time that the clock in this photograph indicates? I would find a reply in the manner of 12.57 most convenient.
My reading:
9.34
